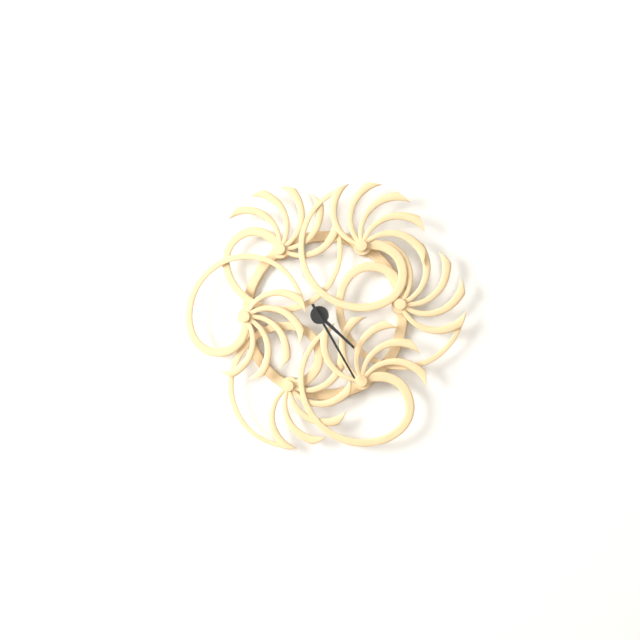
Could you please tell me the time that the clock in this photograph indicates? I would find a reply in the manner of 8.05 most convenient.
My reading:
4.25
